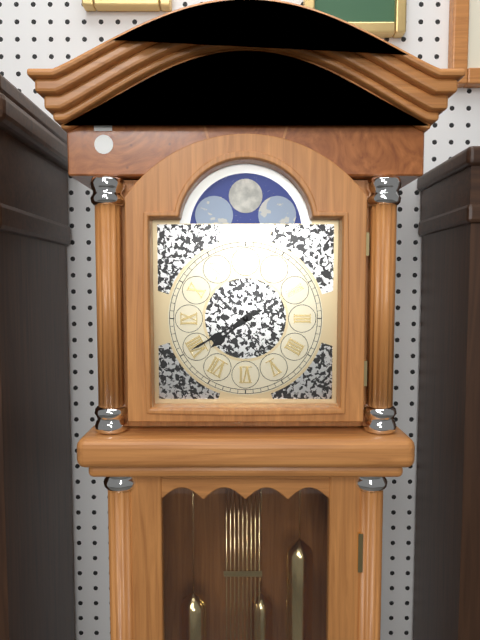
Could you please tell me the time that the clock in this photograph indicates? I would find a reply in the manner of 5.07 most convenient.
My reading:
7.40
